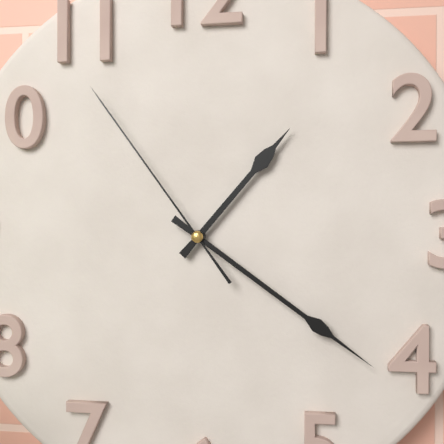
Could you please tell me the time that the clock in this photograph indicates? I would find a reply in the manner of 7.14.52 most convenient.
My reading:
1.21.54
